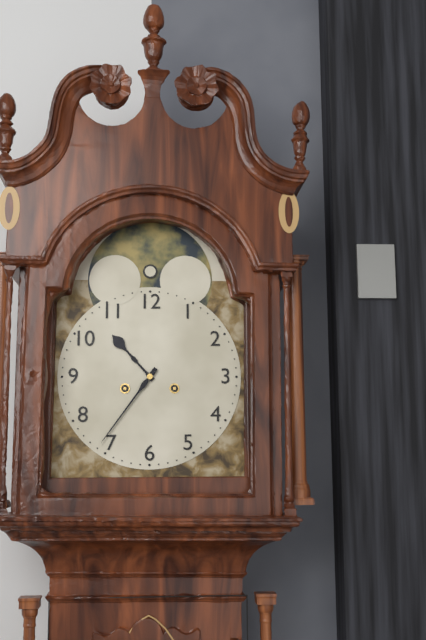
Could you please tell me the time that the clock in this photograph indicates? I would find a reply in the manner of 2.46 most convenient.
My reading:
10.36
